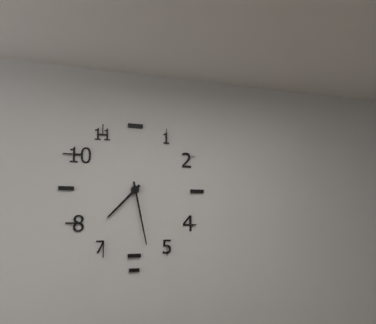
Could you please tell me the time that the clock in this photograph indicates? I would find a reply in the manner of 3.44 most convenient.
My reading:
7.28
